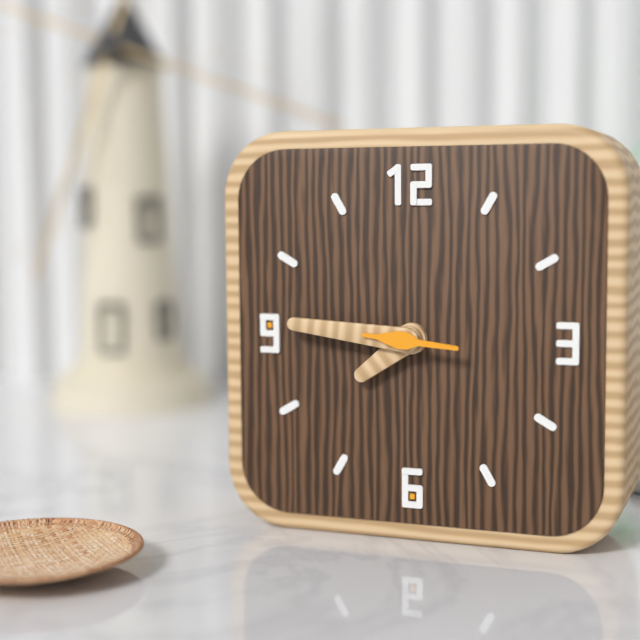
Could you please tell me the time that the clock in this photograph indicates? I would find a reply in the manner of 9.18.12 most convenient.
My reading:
7.46.16
